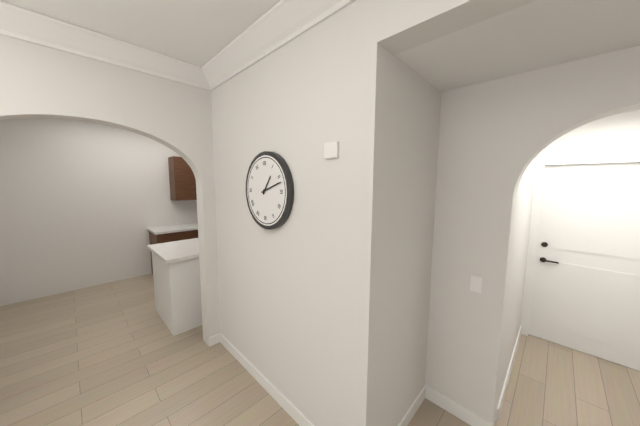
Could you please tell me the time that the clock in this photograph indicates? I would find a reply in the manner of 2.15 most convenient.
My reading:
1.12
